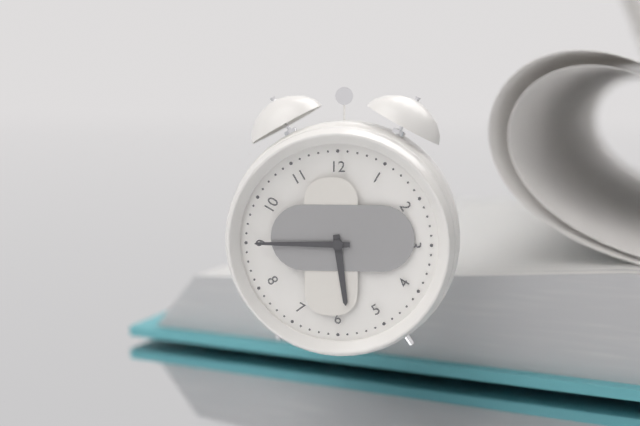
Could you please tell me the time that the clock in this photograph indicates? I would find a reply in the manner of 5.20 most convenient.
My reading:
5.45
